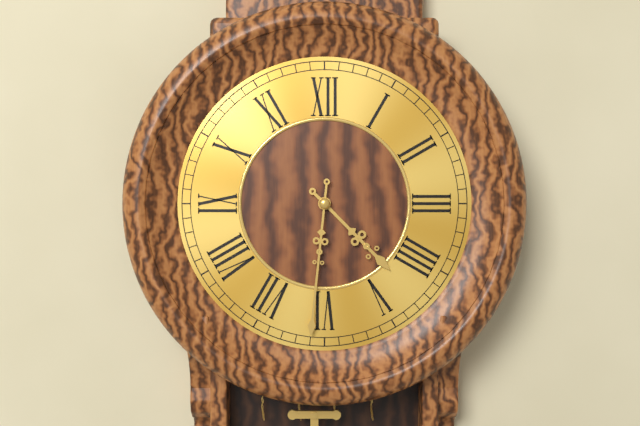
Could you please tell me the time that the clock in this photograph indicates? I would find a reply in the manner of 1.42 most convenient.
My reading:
4.31
